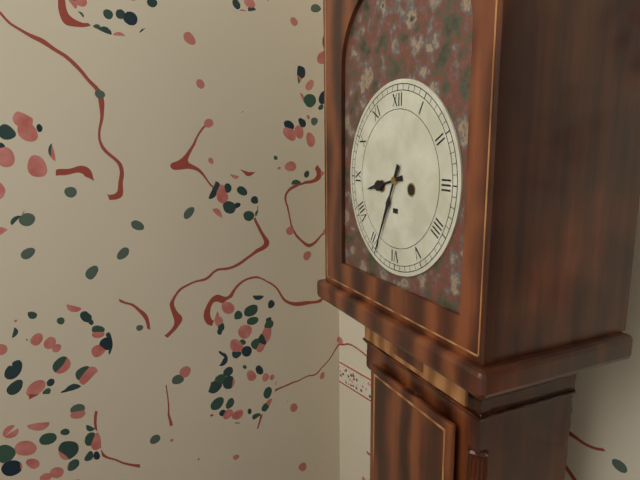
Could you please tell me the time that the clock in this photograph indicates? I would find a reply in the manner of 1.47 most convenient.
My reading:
8.34
